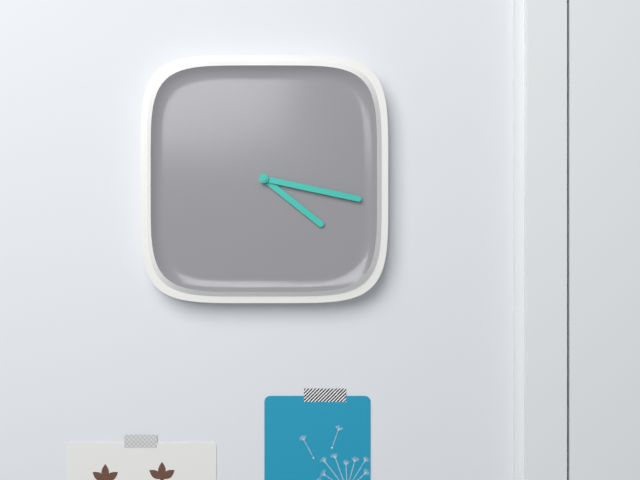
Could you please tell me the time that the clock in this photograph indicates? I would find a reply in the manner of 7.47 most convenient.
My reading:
4.17
